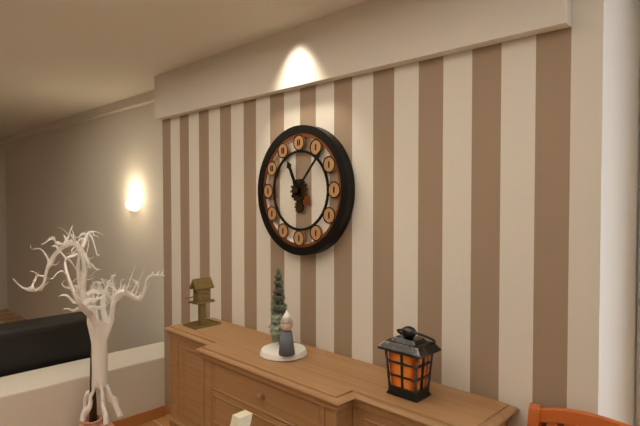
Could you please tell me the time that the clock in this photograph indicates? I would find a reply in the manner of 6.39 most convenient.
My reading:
11.07
